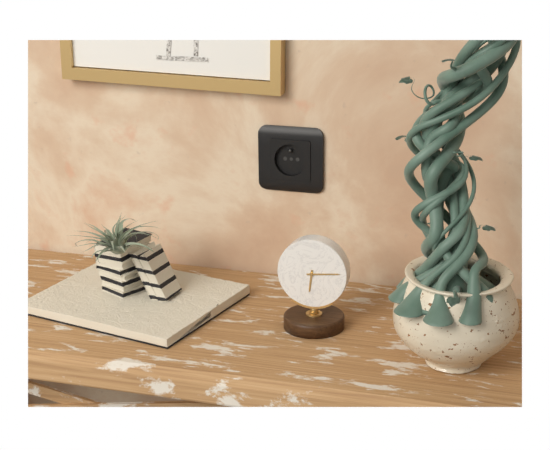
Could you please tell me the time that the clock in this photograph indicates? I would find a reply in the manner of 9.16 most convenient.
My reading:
6.14
